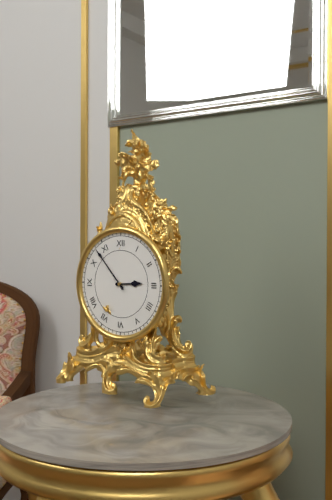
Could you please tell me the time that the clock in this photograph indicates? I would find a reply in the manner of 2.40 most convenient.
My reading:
2.53
